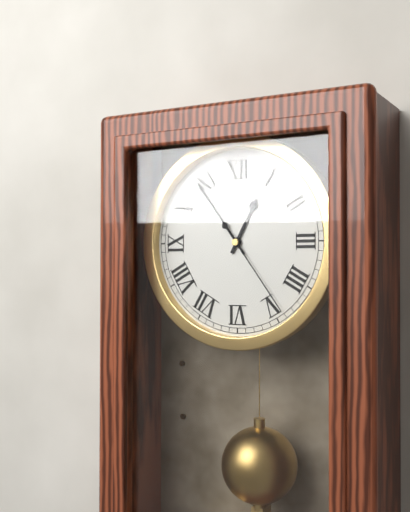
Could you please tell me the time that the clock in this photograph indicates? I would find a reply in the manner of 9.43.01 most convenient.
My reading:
12.54.24
